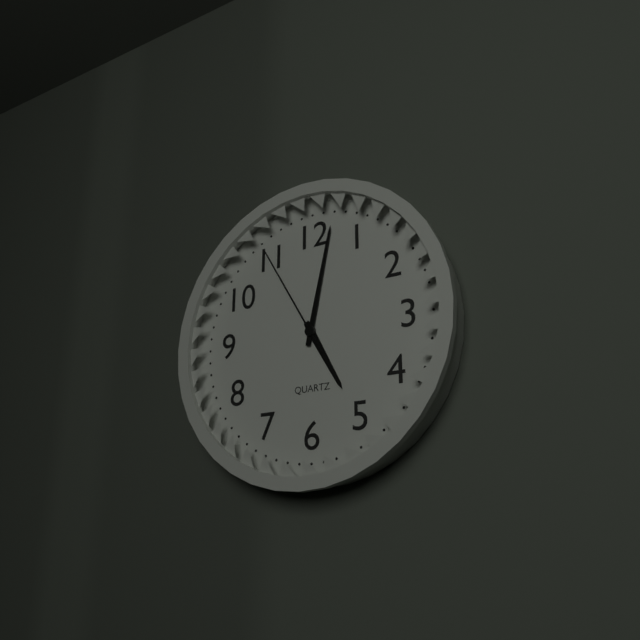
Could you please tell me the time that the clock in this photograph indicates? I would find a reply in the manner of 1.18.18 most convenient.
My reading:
5.02.55
